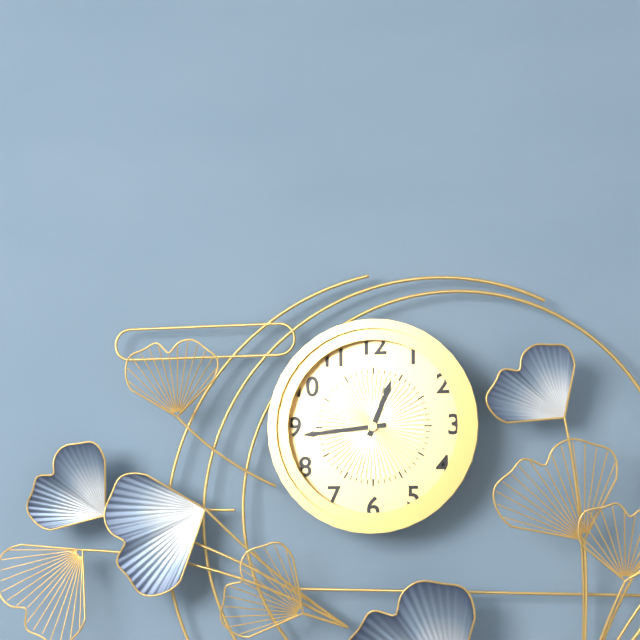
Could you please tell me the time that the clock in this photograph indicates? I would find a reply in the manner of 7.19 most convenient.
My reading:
12.44
